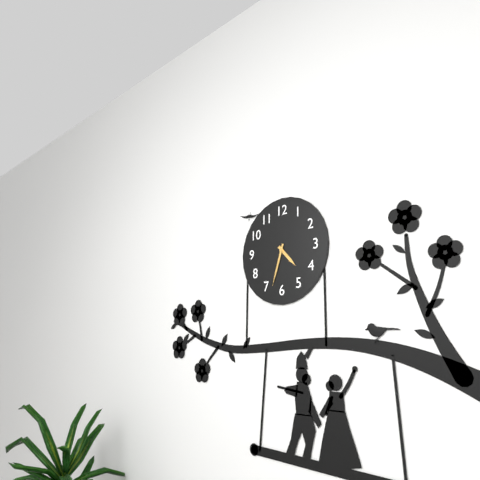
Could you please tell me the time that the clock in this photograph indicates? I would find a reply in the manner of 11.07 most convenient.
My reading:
4.33
